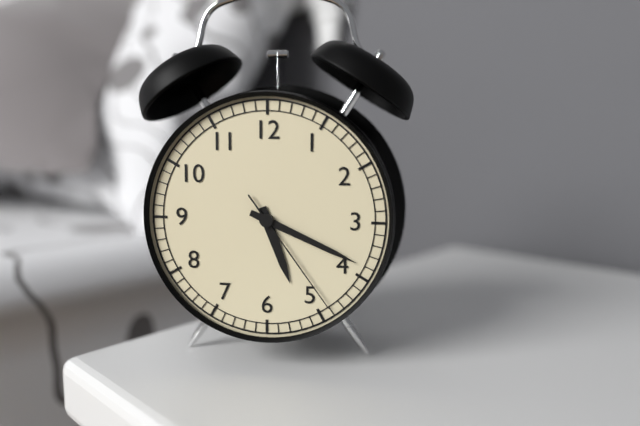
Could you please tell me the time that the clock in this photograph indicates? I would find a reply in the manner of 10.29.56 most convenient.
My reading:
5.19.24
